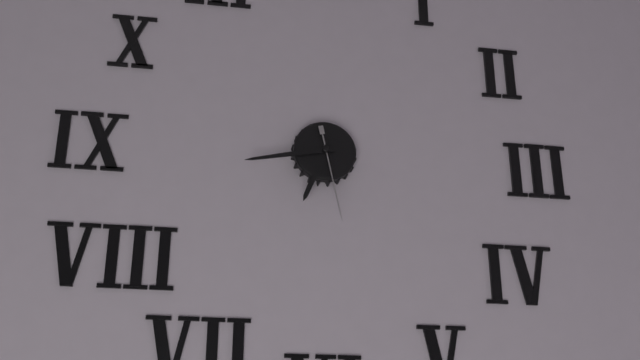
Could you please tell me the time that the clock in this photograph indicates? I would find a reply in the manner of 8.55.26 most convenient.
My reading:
6.43.28
